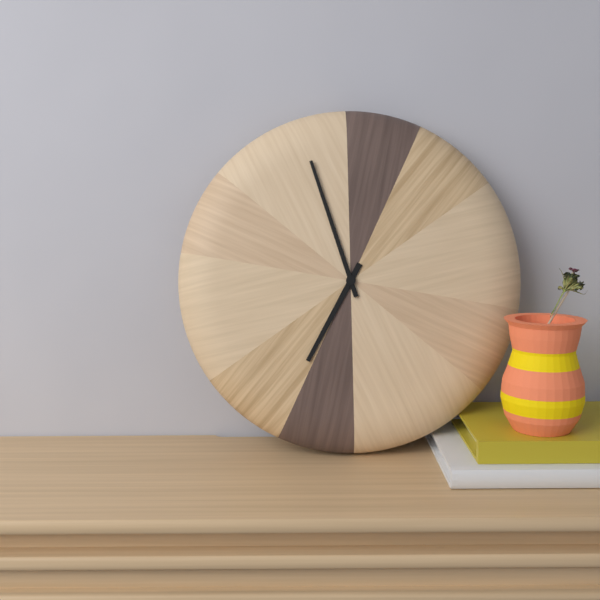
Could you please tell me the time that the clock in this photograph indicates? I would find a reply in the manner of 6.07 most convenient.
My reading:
6.57
